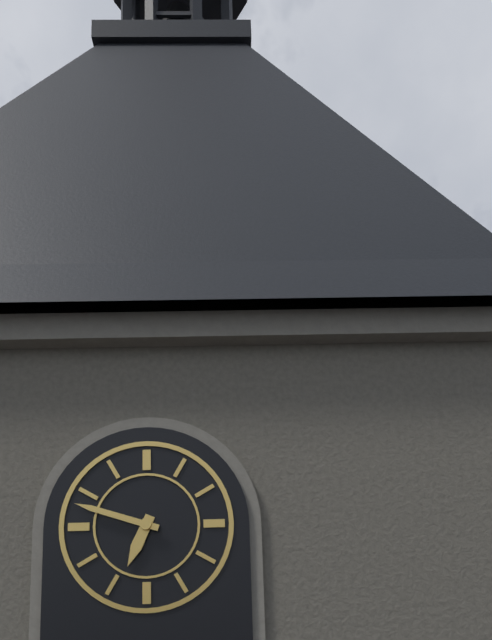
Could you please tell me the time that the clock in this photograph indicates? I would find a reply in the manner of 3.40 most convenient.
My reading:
6.48
